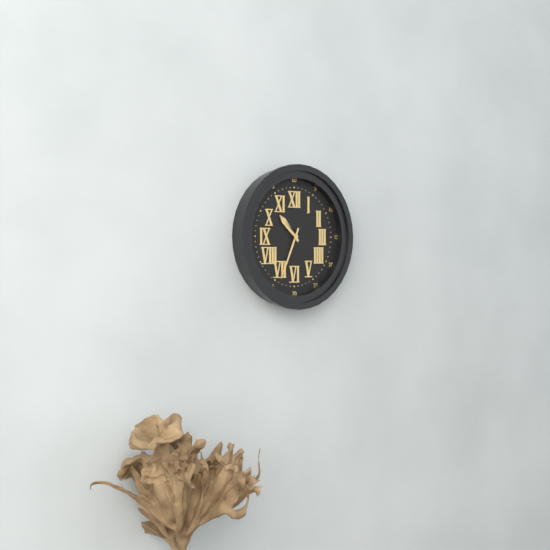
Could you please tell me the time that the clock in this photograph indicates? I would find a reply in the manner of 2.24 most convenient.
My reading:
10.34
